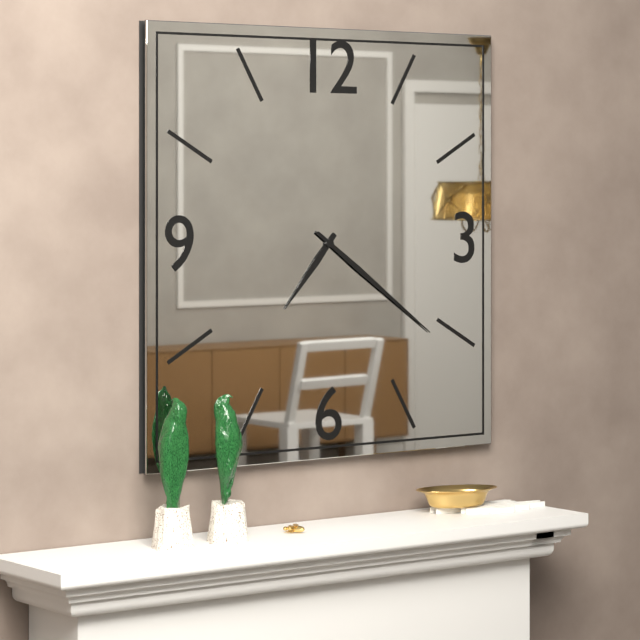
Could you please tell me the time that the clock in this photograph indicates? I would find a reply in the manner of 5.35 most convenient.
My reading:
7.21
